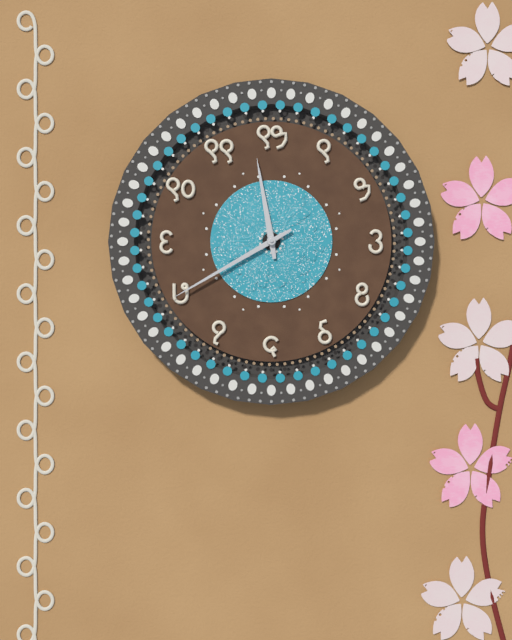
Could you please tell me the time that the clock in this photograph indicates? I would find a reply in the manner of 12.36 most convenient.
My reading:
11.40
